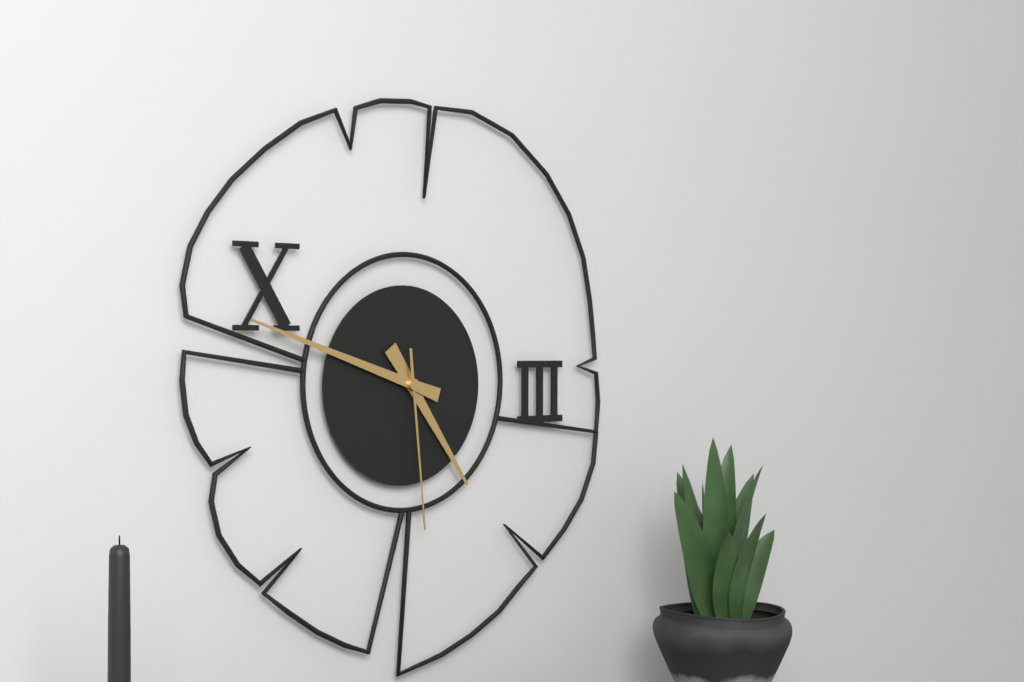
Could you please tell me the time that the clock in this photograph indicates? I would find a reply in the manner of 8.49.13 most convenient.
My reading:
4.48.29
